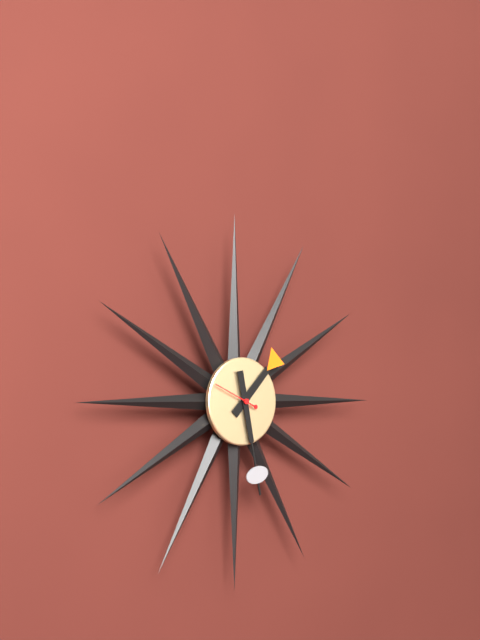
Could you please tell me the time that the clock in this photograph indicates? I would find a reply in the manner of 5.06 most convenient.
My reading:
1.28
